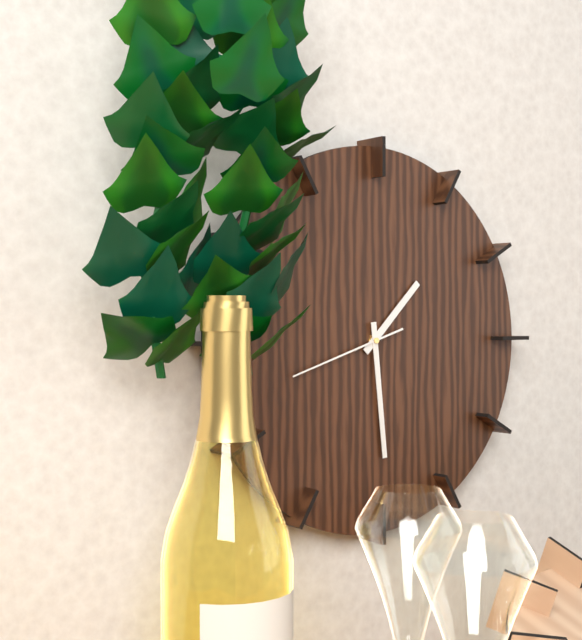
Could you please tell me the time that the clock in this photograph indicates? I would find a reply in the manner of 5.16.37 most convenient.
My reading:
1.29.42
